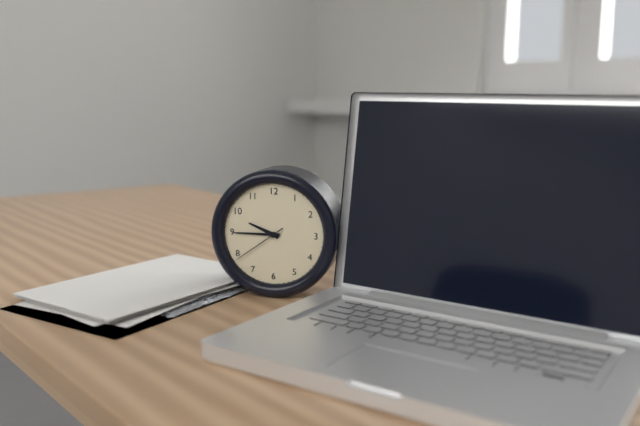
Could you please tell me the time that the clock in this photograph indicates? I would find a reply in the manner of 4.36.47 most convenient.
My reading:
9.45.39
